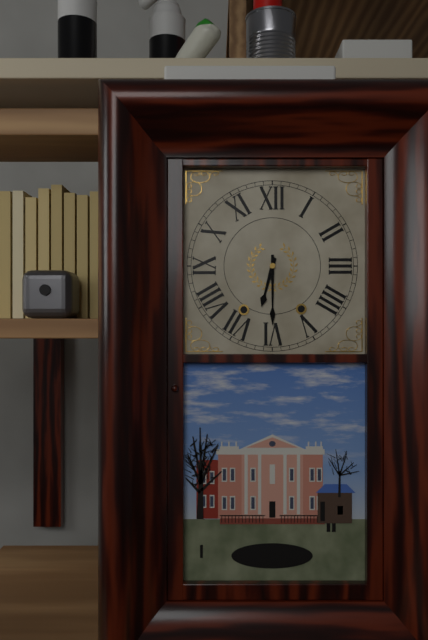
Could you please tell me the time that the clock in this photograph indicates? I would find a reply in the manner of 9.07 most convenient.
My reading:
6.30
